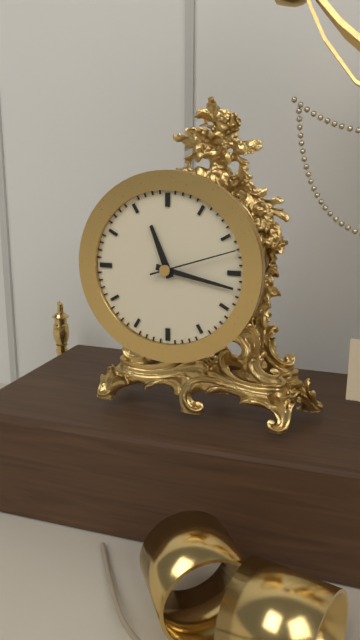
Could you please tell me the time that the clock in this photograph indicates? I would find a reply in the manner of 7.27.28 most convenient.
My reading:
11.17.12
